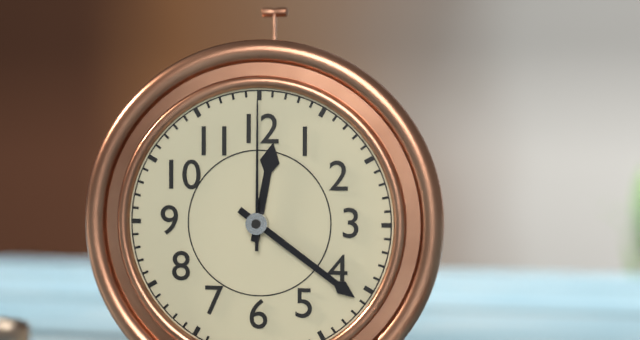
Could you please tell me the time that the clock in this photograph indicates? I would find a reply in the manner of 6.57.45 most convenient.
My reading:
12.21.00
